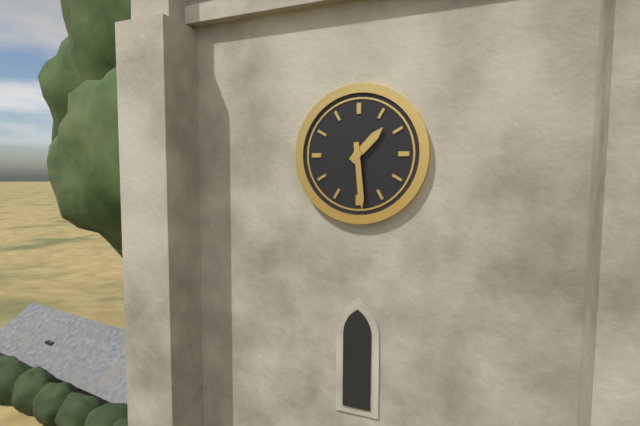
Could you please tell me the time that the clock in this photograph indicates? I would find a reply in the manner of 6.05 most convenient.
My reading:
1.29
